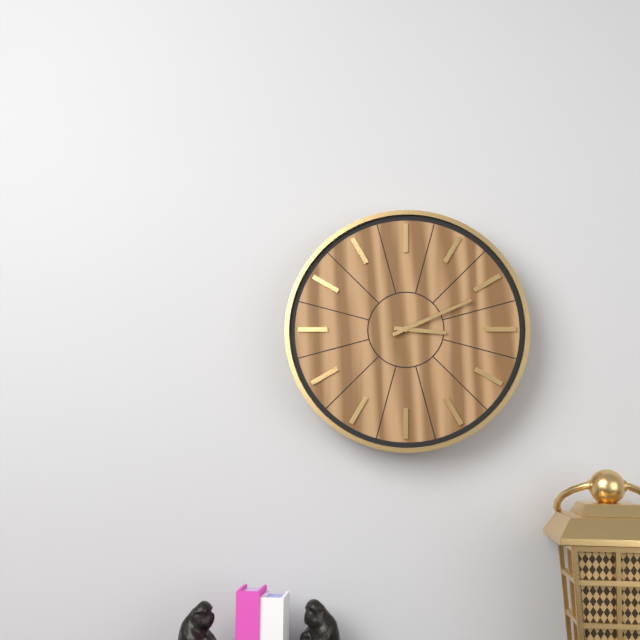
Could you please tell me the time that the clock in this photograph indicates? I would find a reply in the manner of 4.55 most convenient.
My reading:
3.11
